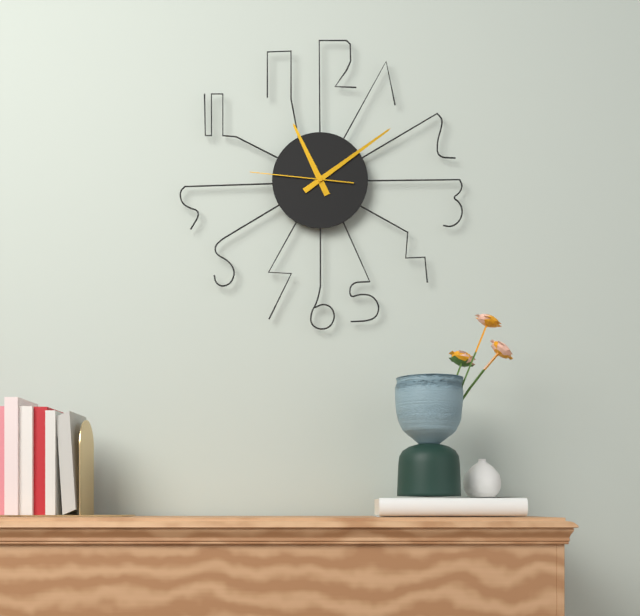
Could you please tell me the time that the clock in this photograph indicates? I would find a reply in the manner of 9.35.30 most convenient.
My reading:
11.09.46
